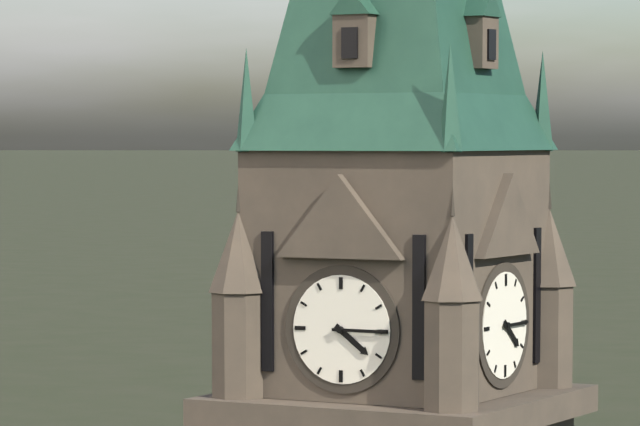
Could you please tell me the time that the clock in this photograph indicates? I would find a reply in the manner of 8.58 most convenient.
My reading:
4.15
